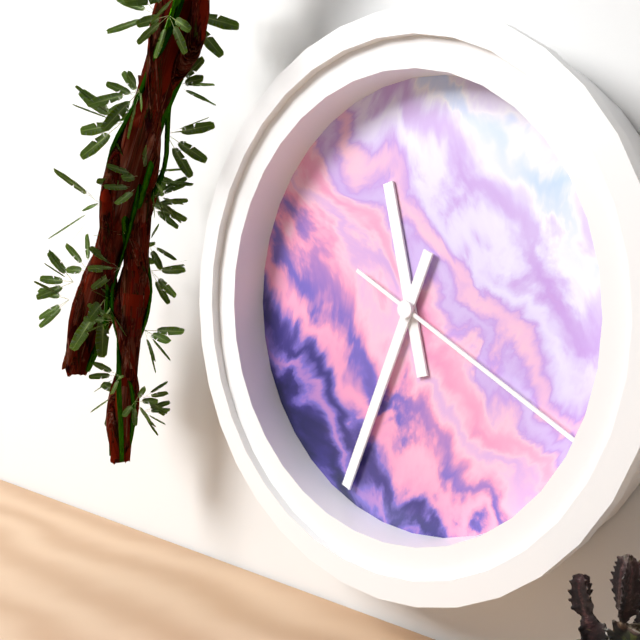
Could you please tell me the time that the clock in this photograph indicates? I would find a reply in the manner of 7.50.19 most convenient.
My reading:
11.34.20
